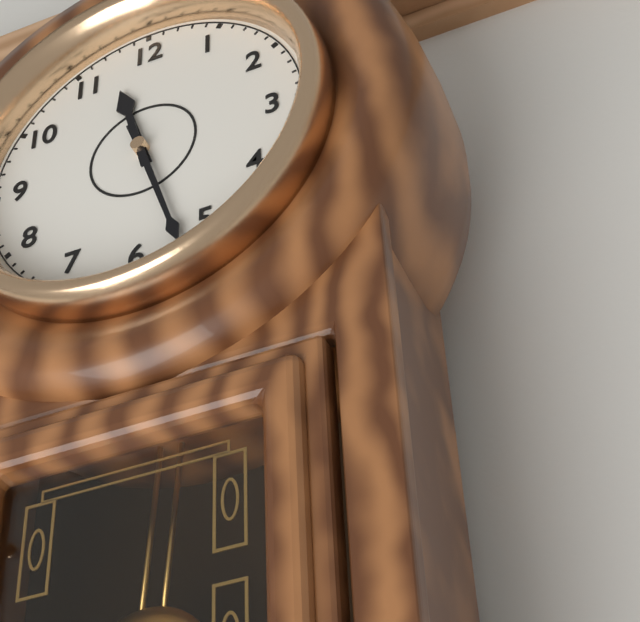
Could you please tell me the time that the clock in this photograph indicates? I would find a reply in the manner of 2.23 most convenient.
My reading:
11.27
